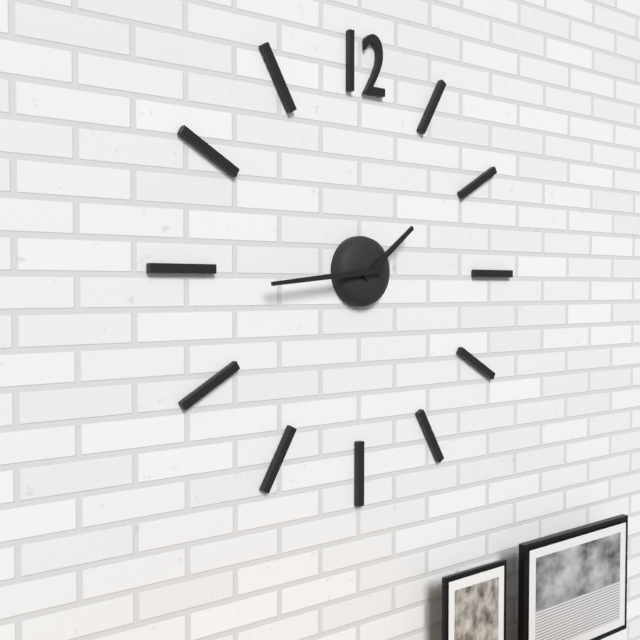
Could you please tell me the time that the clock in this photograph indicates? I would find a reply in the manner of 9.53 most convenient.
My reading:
1.44
